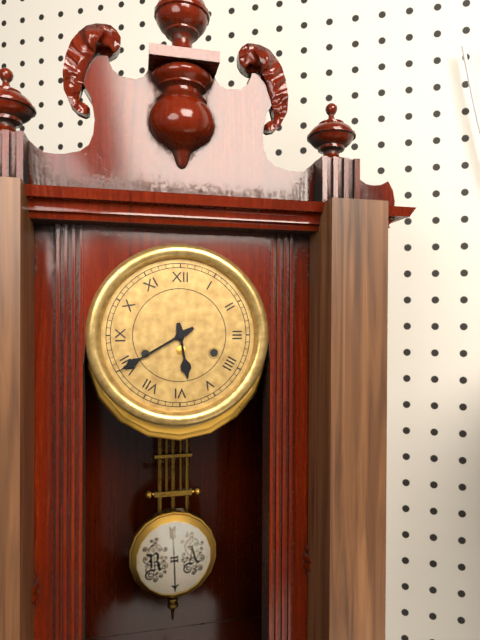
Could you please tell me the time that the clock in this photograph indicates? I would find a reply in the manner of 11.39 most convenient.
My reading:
5.40
